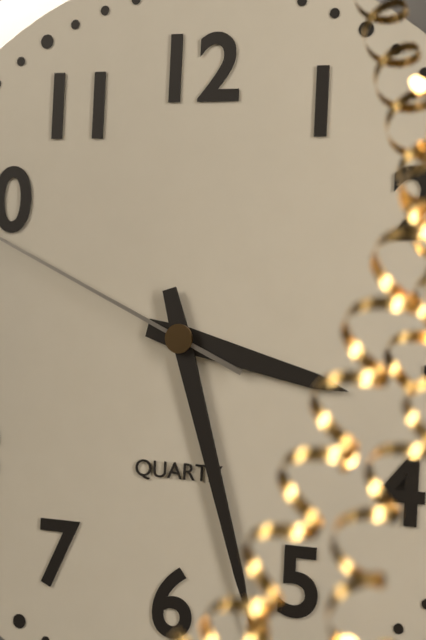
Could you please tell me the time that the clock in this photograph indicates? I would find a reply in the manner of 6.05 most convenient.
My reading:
3.27
